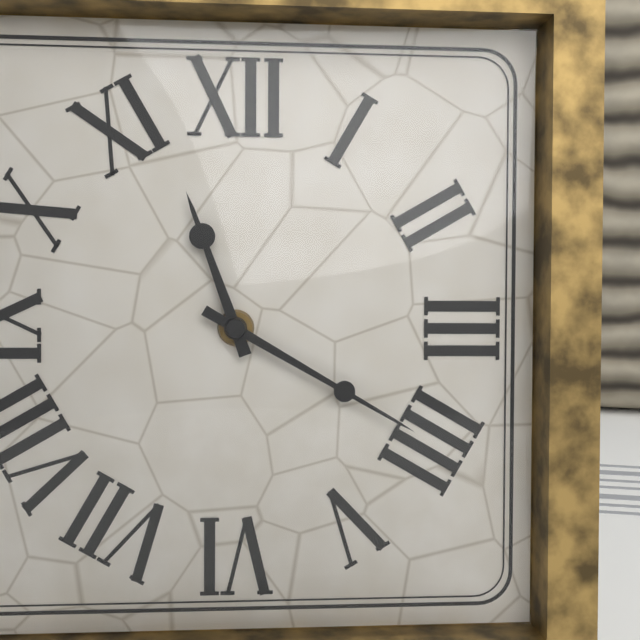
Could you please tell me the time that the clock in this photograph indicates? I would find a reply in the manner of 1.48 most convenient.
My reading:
11.20
